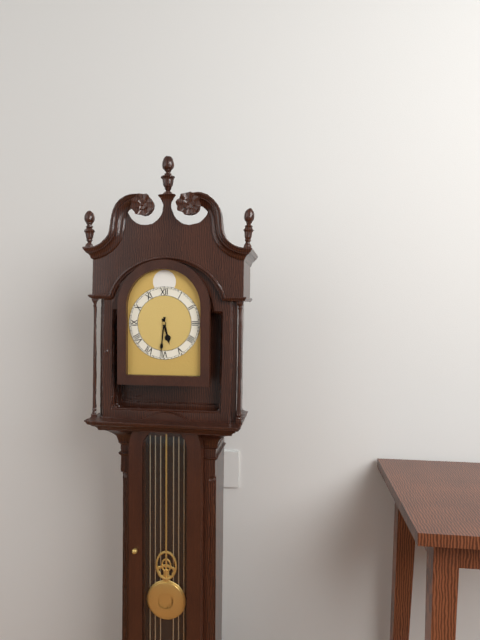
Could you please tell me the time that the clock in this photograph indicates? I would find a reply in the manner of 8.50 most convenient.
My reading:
5.31
